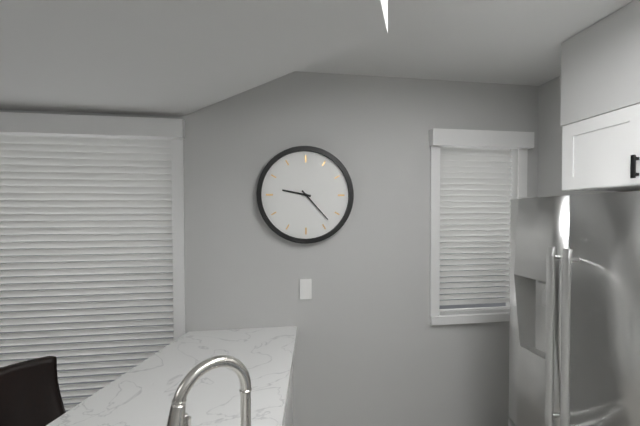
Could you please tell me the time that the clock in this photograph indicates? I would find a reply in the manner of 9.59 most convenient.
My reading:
9.23
